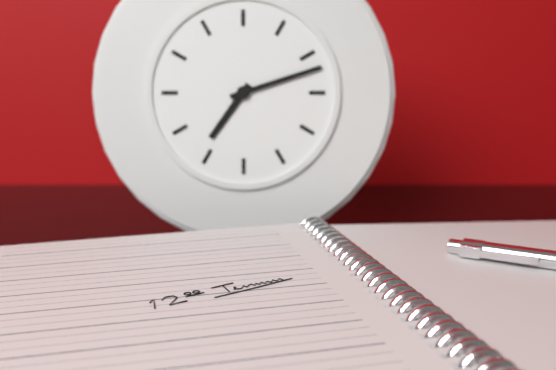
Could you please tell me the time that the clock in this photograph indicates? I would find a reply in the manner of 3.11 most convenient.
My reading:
7.12
